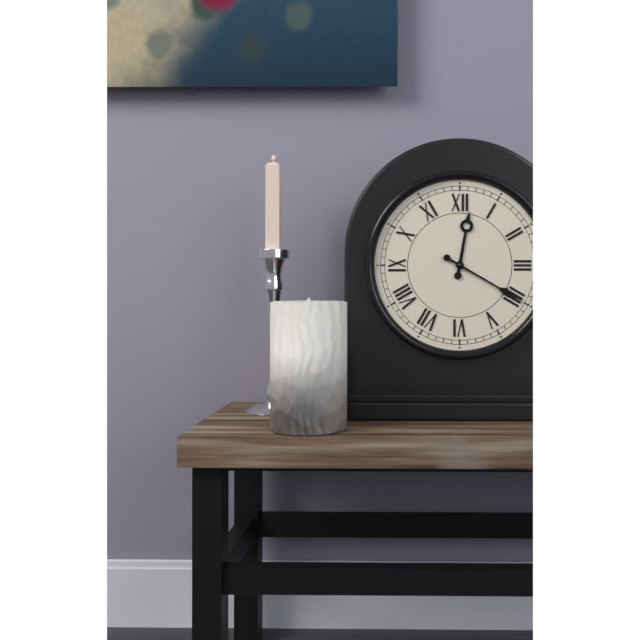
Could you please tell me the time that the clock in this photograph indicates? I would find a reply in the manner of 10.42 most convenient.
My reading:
12.20
